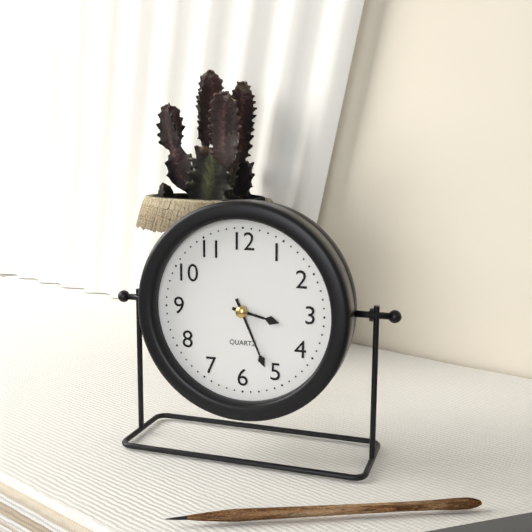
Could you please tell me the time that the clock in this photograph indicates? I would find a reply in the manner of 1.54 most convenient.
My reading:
3.26
